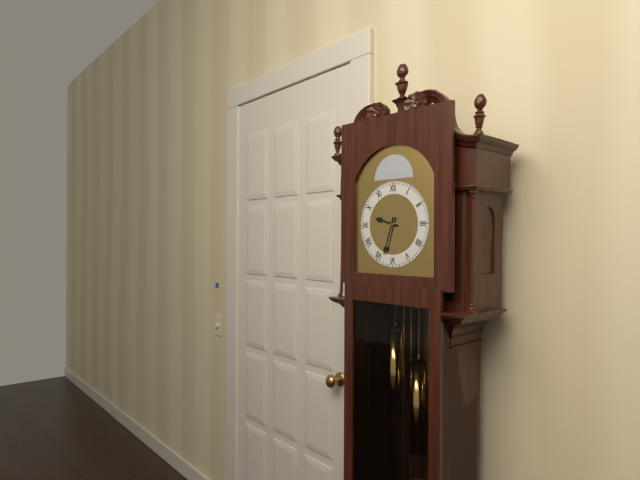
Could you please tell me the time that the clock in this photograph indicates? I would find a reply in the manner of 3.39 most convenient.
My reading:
9.33
